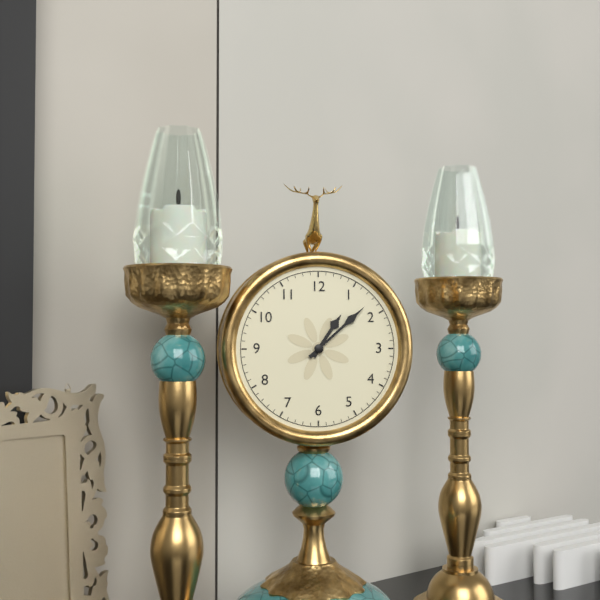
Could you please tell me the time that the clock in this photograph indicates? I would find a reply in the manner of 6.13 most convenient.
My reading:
1.08
